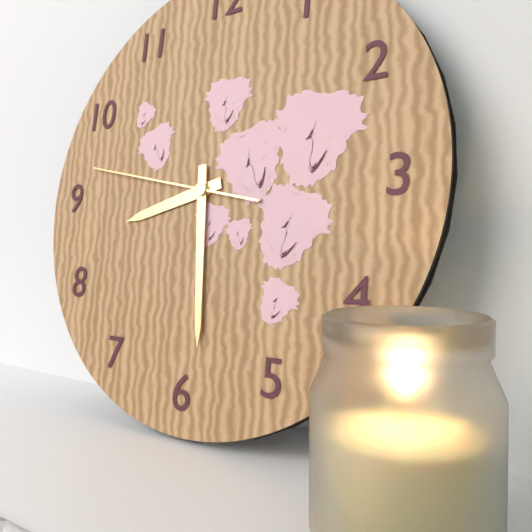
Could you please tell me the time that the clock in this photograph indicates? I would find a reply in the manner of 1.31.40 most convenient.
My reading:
8.29.47
